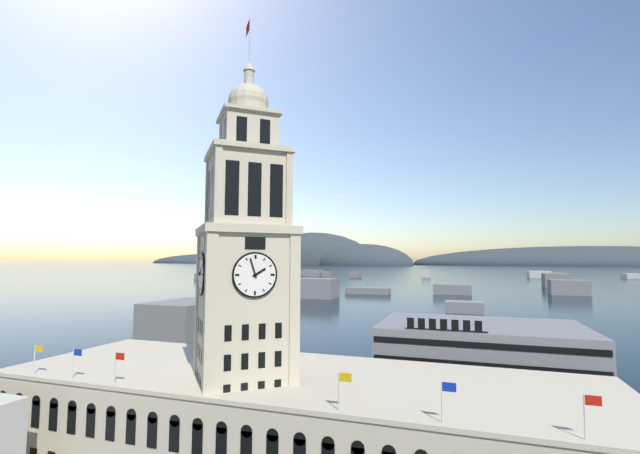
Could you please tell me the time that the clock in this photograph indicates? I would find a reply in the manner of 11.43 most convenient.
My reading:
1.57
